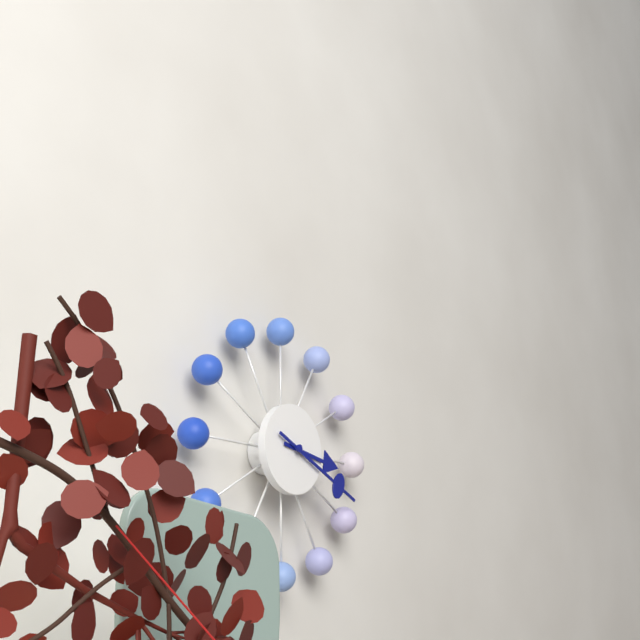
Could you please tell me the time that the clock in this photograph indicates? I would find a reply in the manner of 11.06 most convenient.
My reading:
3.19
